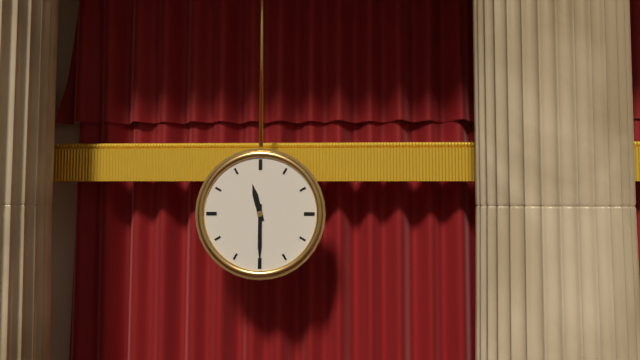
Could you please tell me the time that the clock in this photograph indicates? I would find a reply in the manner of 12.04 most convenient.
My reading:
11.30
